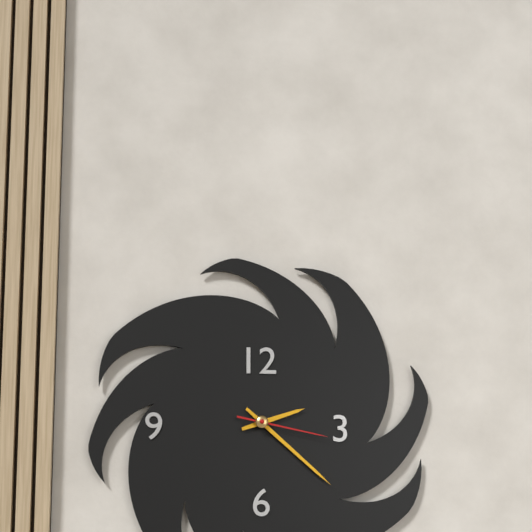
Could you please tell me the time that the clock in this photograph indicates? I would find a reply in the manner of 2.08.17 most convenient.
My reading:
2.22.17
